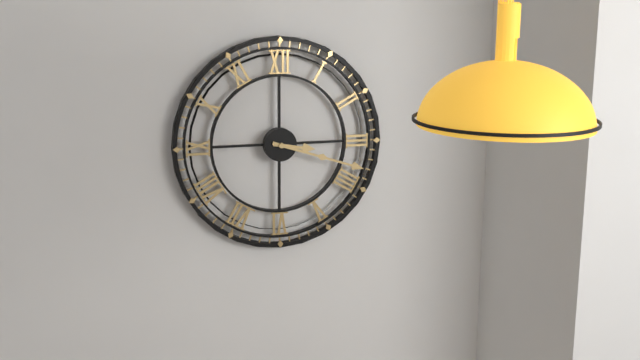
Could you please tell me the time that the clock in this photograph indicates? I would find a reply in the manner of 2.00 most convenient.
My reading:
3.18
